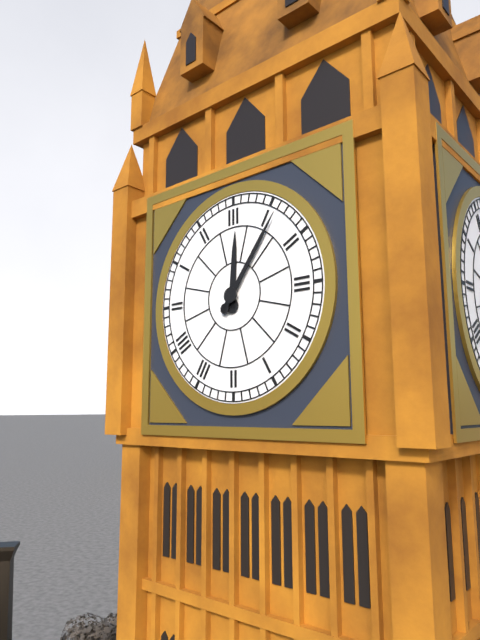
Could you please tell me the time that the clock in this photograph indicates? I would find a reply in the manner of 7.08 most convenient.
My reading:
12.06
